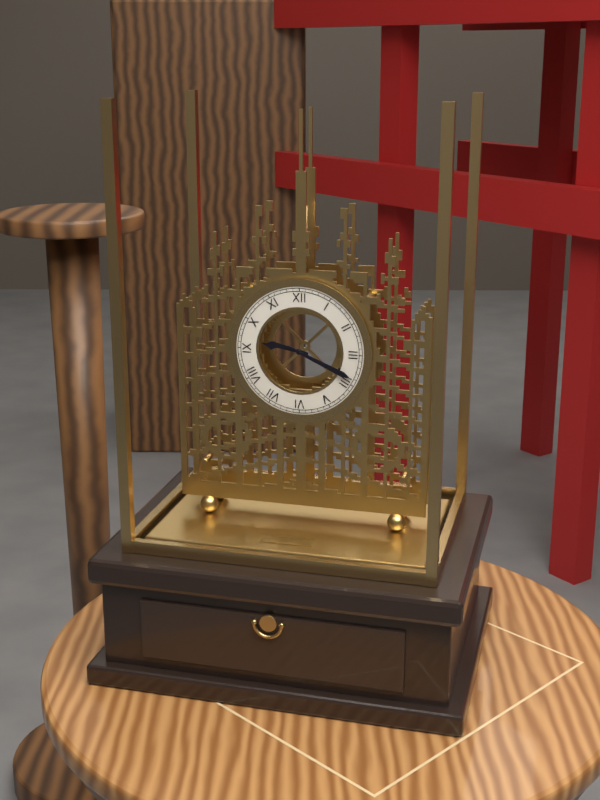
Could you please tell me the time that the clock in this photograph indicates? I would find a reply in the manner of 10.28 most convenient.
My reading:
9.19
